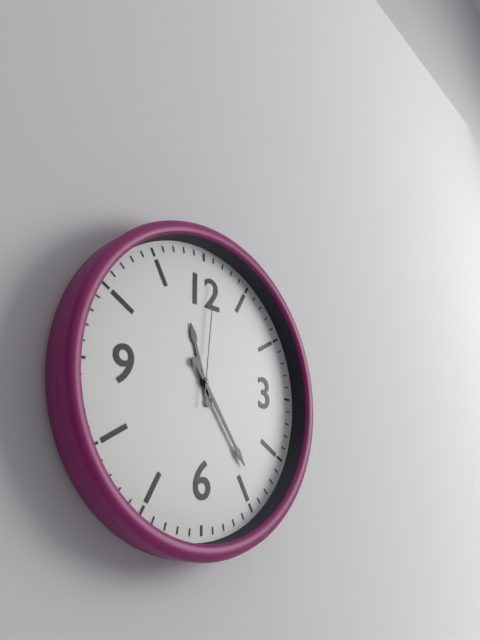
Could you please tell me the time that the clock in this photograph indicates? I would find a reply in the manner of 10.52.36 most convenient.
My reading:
11.24.01
